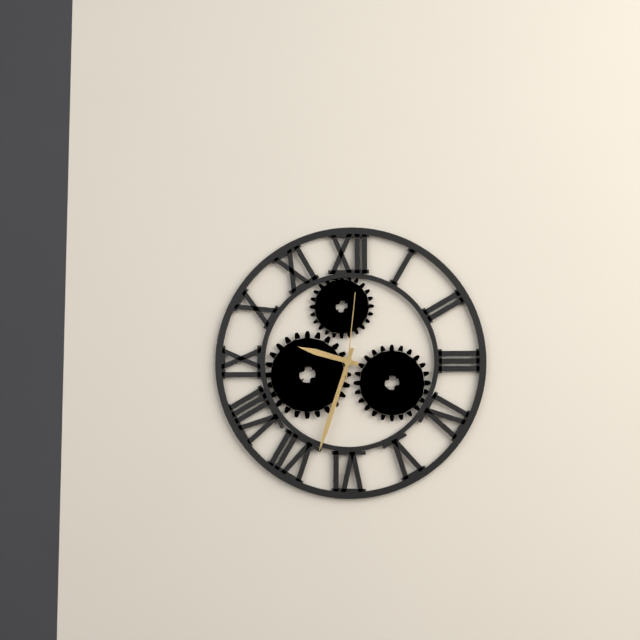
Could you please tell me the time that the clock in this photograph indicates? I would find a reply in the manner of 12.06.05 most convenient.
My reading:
9.33.01
